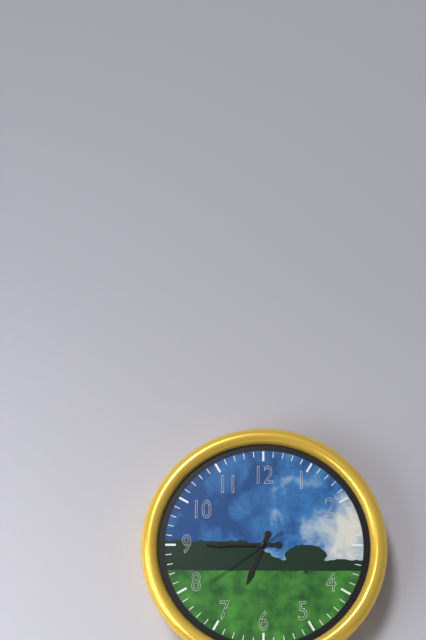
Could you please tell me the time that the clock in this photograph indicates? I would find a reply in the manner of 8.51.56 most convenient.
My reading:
6.45.39
